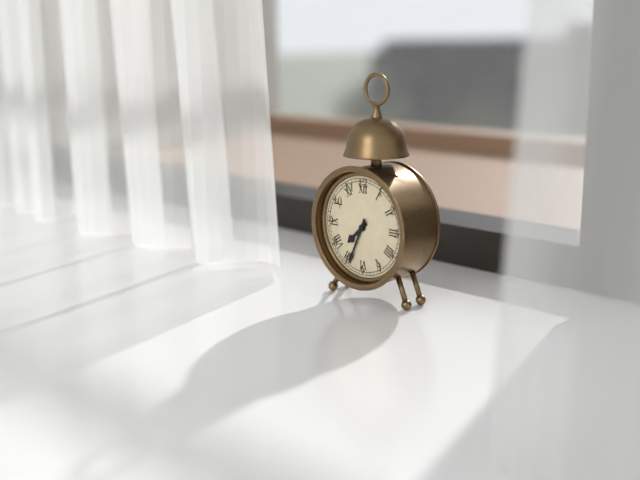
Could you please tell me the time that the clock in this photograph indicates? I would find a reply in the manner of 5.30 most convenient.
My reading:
7.34
